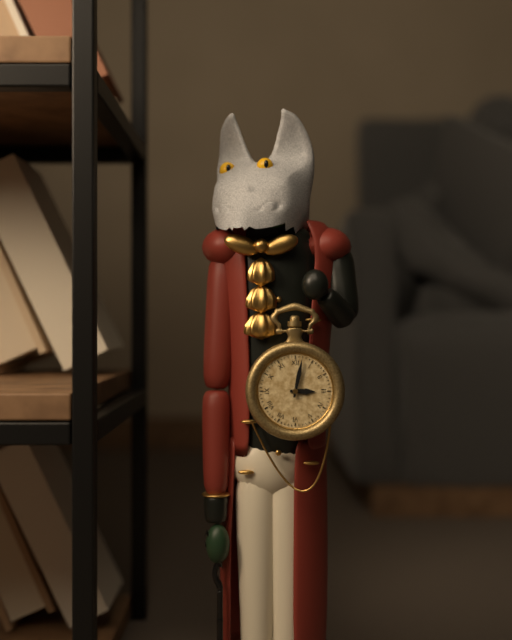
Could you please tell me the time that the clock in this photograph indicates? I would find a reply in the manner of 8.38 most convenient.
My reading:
3.02
